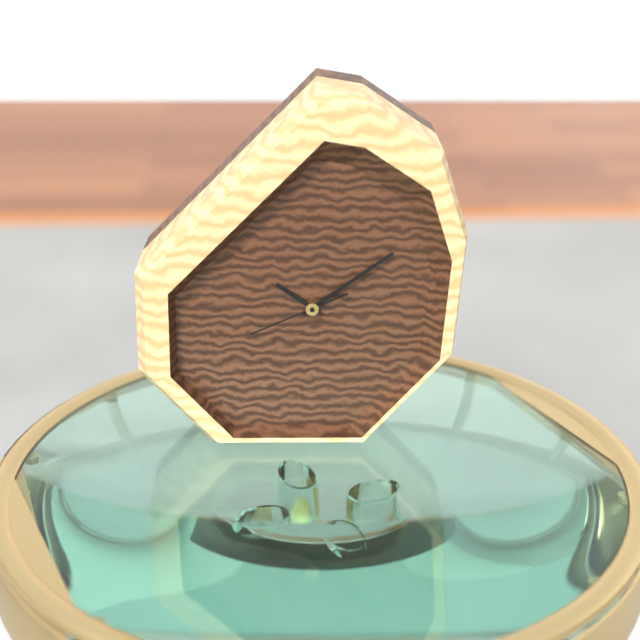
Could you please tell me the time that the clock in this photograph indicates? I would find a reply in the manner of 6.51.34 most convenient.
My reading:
10.09.41
